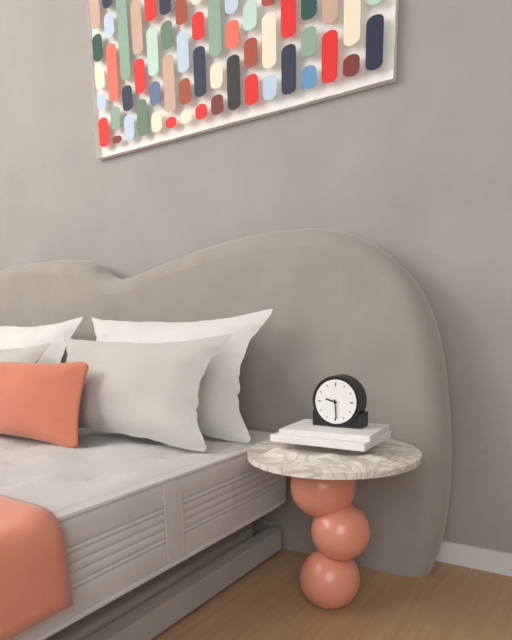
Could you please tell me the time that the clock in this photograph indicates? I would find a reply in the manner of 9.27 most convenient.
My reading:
9.29
